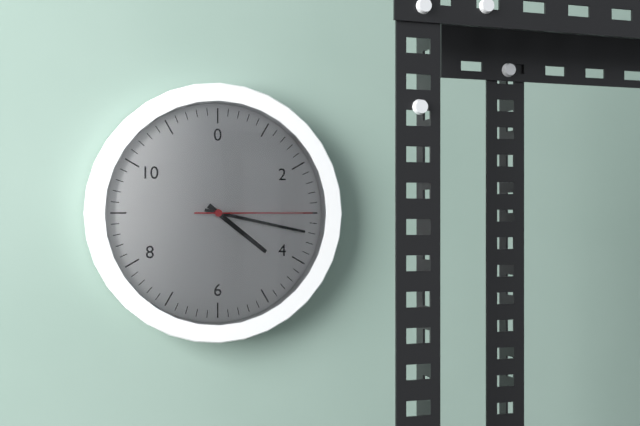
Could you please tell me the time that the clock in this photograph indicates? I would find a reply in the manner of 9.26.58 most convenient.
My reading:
4.17.15
